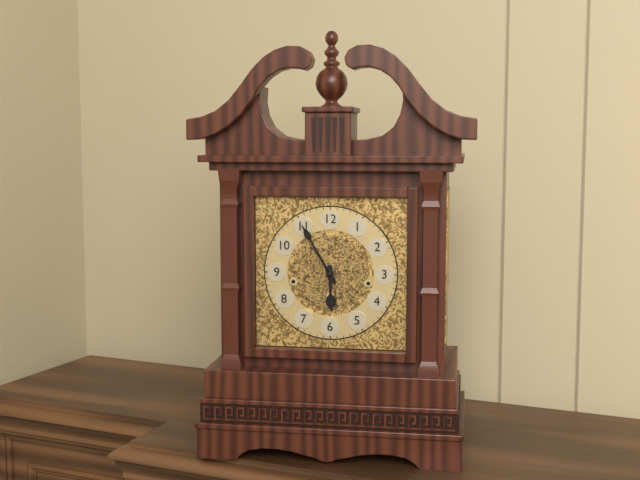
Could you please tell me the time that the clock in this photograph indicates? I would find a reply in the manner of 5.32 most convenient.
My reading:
5.55
